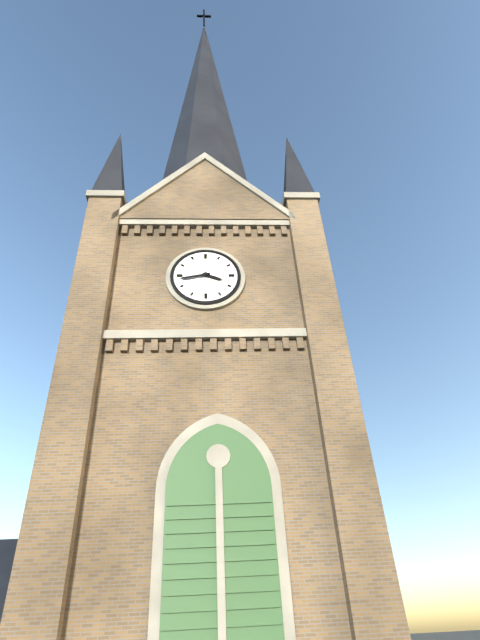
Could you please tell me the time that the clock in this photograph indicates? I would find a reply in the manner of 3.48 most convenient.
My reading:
3.43
